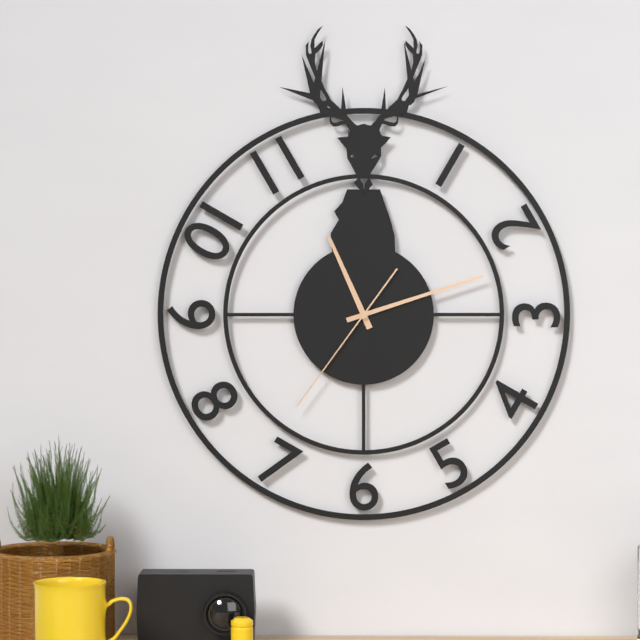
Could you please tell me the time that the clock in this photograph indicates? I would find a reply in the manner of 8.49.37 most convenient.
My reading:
11.12.36
